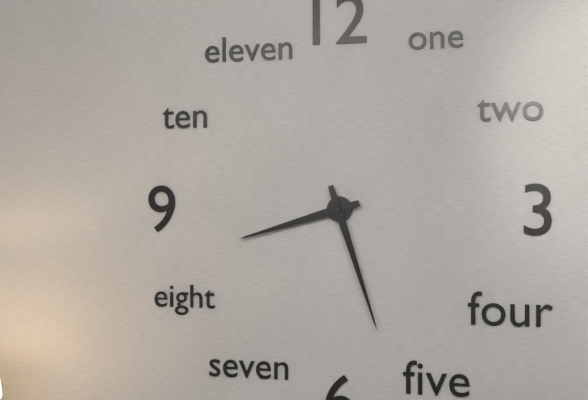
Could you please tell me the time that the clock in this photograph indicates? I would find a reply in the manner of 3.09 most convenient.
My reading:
8.27
